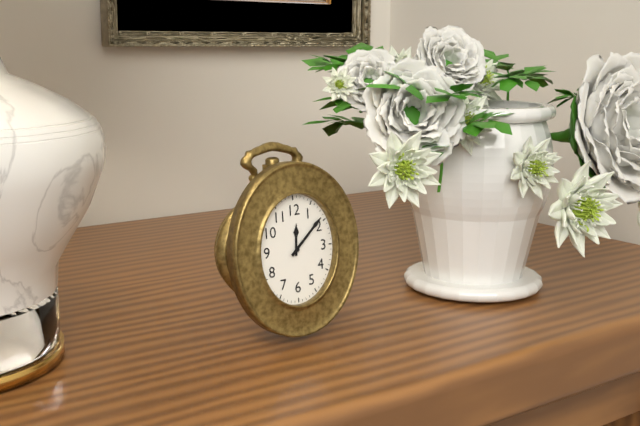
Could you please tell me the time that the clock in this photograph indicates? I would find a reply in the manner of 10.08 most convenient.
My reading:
12.08
